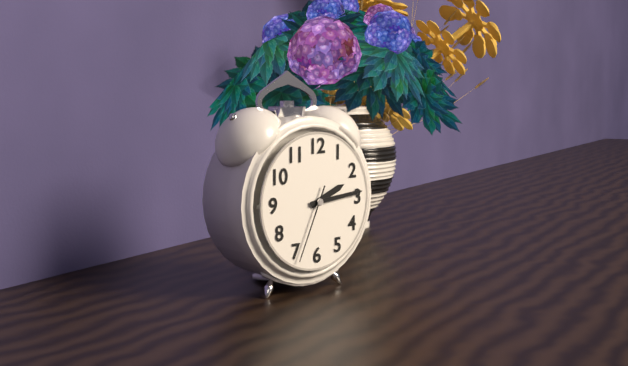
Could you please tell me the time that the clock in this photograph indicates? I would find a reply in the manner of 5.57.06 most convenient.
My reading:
2.14.34
